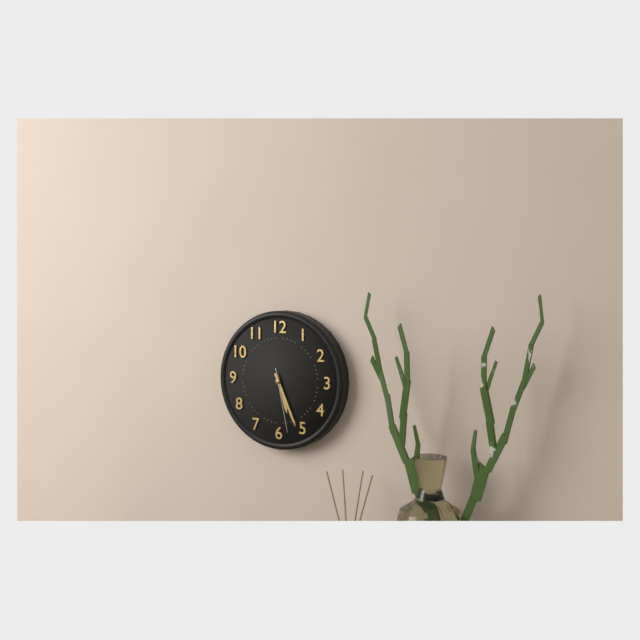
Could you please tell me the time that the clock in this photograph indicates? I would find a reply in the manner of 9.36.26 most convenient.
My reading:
5.26.28
